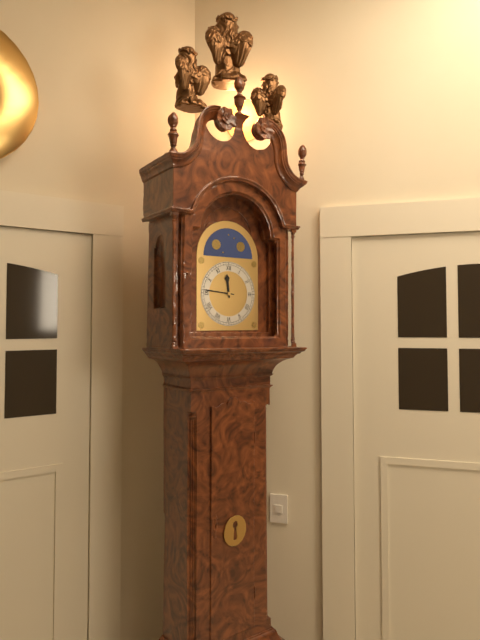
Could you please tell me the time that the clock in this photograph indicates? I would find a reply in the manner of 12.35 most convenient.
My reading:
11.46
